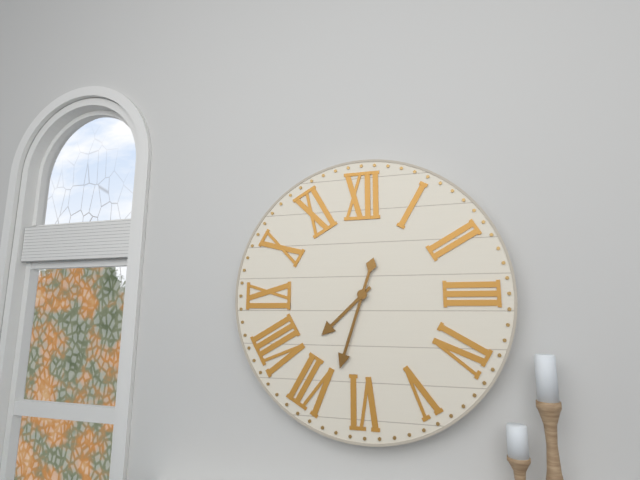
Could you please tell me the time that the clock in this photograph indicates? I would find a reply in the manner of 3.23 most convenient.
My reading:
7.33
